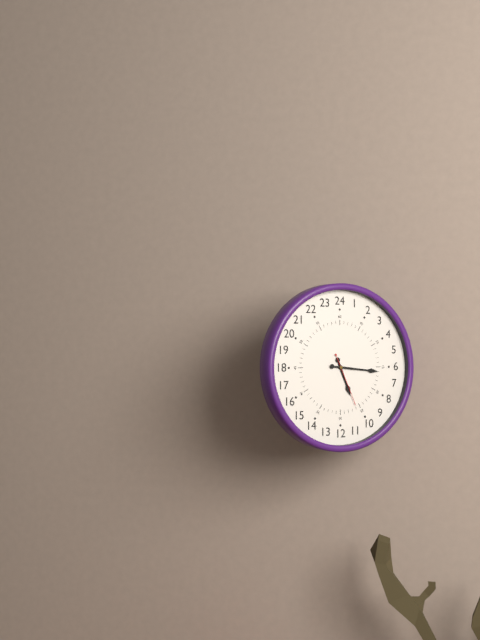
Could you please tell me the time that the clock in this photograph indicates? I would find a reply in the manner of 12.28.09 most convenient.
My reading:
5.16.26
